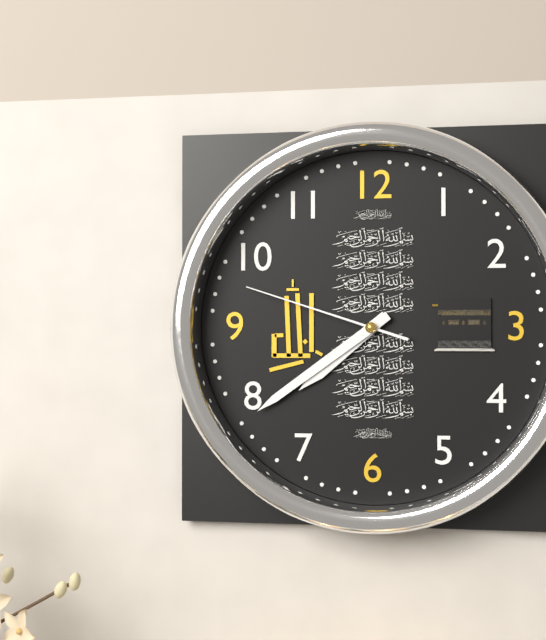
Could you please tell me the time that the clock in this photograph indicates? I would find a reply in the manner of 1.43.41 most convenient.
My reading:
7.39.48
